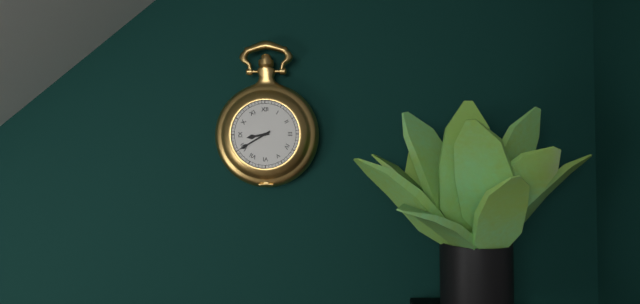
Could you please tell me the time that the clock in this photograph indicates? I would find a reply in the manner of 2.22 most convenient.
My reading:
8.40
